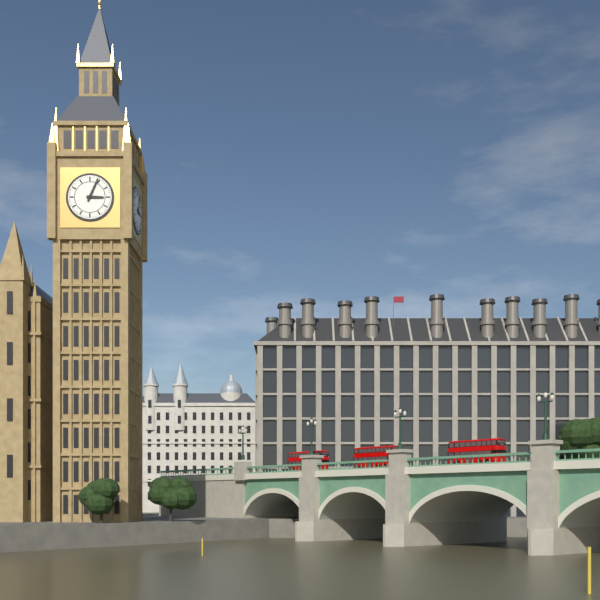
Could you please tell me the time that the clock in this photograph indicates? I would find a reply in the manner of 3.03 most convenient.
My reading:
3.04
